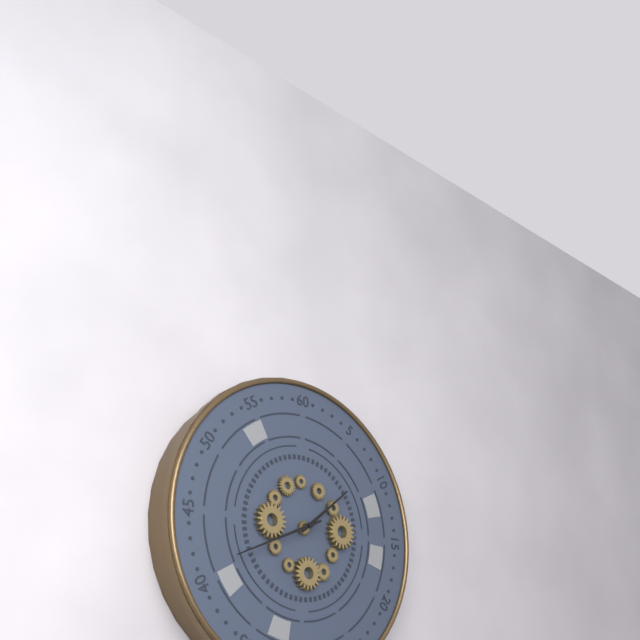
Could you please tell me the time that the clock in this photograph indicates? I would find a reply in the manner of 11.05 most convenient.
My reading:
1.41
